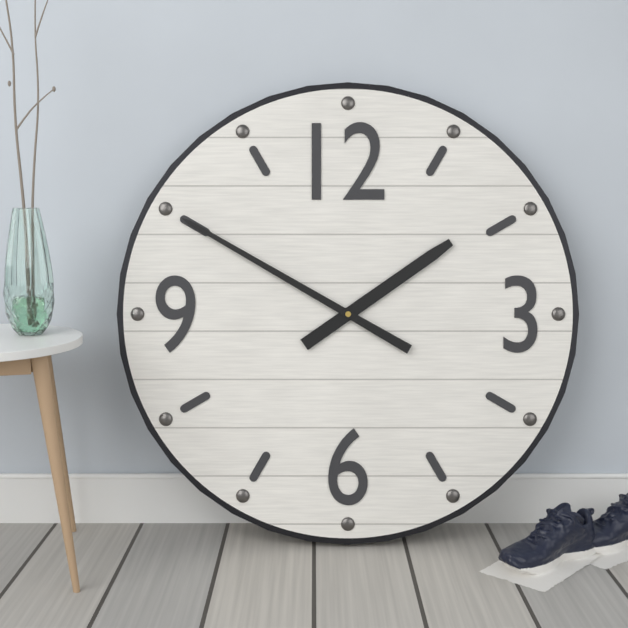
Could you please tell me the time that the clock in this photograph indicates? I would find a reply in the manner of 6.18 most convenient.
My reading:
1.50
